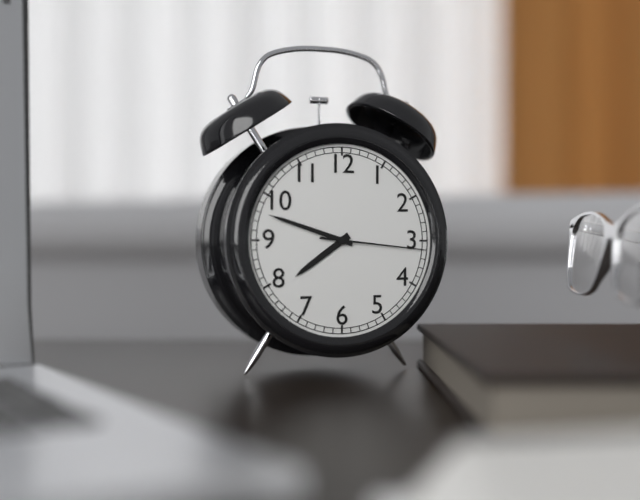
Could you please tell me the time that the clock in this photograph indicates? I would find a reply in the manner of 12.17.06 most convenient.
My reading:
7.48.16
